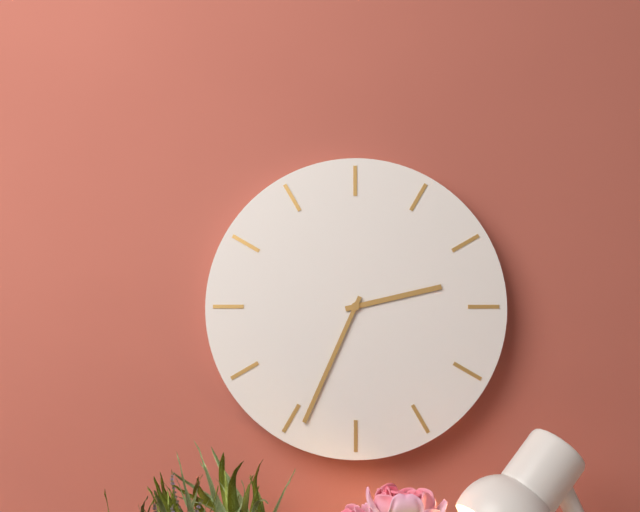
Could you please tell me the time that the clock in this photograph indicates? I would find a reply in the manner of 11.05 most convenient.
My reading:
2.34
